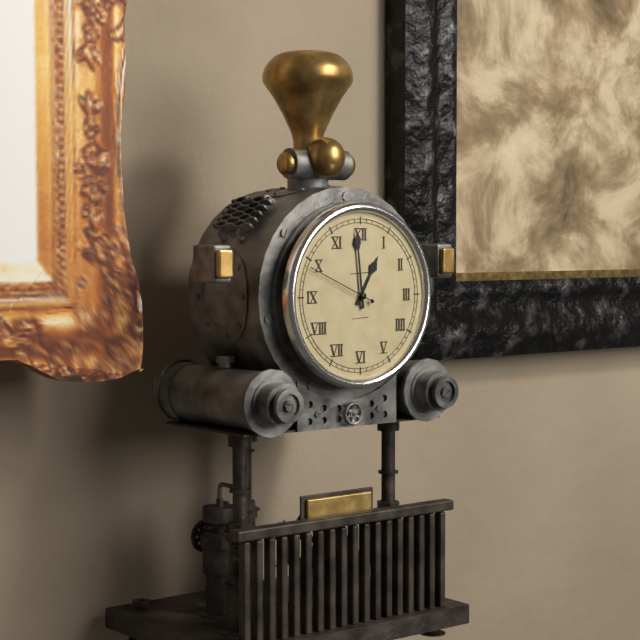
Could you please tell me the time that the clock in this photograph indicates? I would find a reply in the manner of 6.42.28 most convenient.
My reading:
12.59.49
